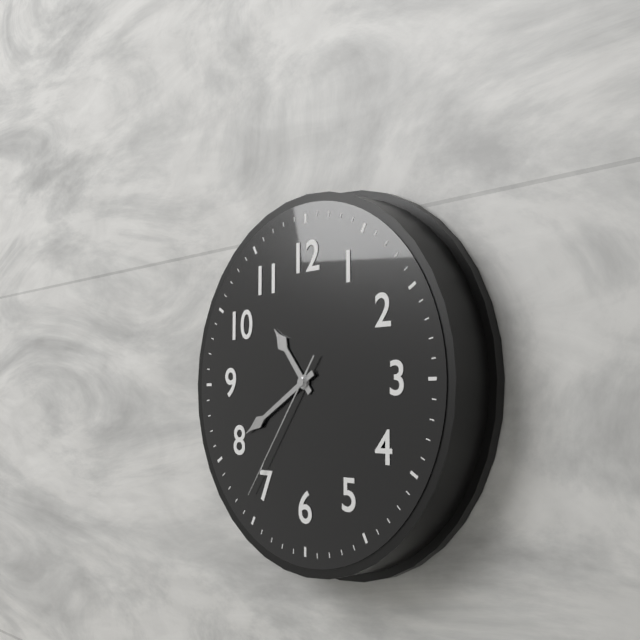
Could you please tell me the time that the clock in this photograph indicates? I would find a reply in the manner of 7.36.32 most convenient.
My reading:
10.40.36
